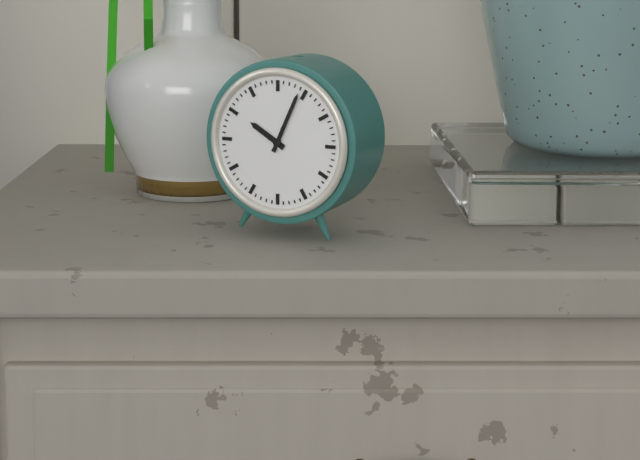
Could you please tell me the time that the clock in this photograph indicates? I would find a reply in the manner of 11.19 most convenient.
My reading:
10.04
